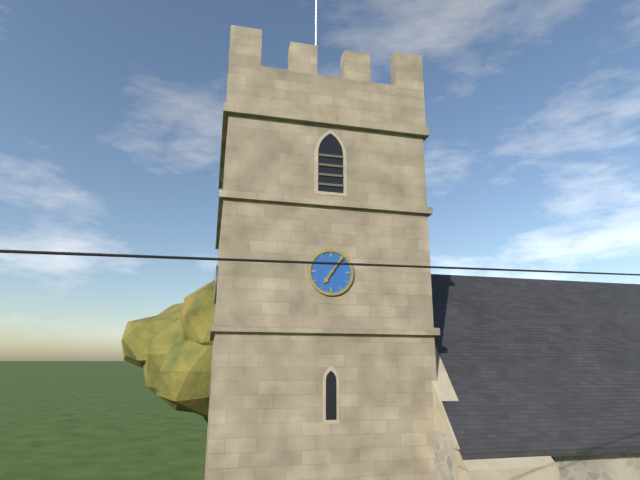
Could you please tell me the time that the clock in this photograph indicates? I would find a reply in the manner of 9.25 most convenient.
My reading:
7.06
